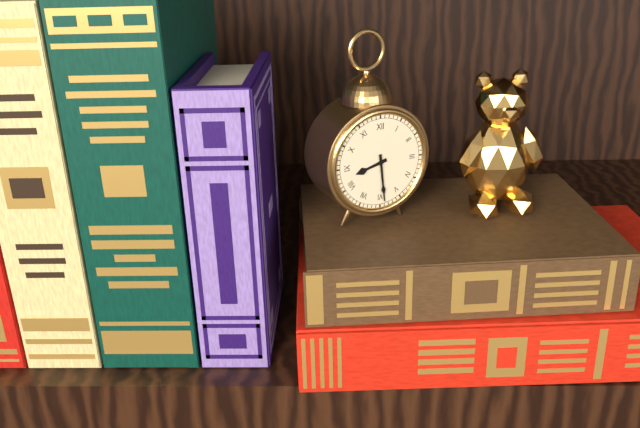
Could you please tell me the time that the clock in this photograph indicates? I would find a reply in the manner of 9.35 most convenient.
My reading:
8.29
